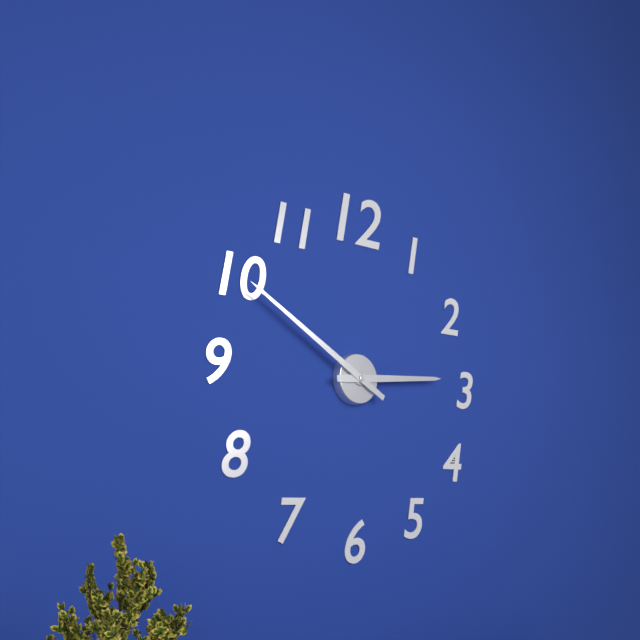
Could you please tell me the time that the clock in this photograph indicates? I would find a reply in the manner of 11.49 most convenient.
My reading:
2.50
